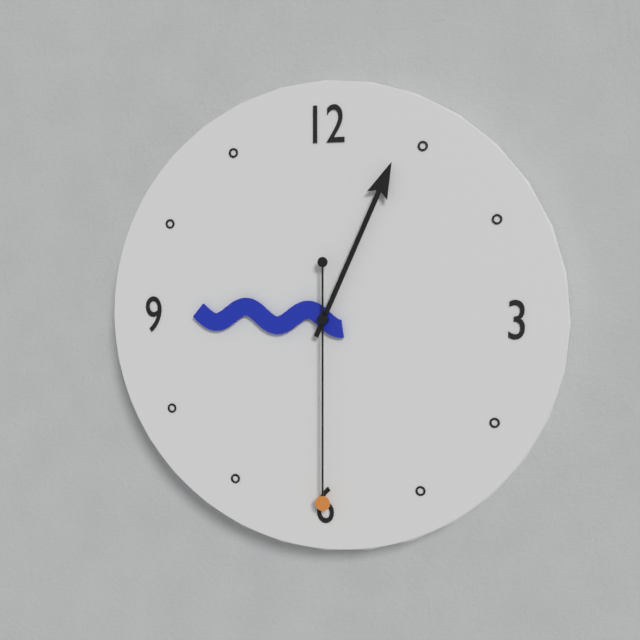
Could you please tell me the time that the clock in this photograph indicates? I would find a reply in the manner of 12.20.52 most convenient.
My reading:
9.04.30
